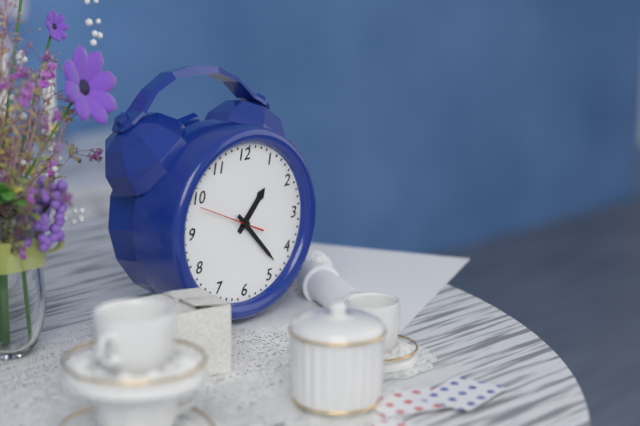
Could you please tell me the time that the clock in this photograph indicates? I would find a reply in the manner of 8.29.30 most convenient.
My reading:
1.23.49
